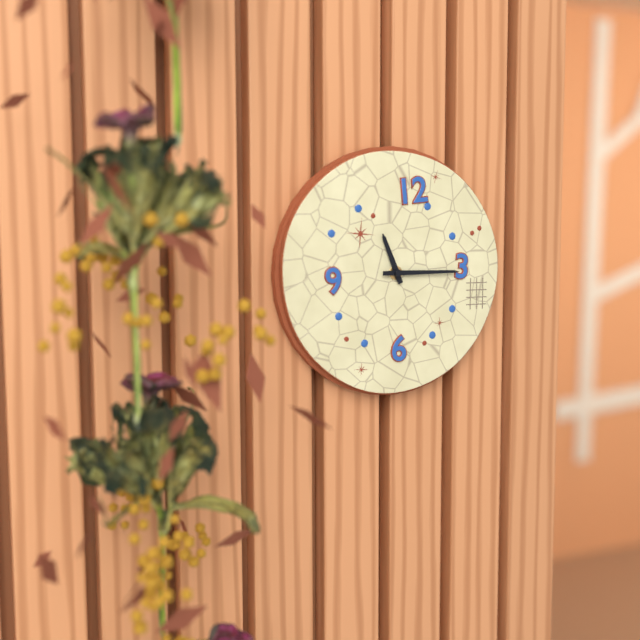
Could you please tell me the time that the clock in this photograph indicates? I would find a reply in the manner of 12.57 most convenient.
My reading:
11.15
